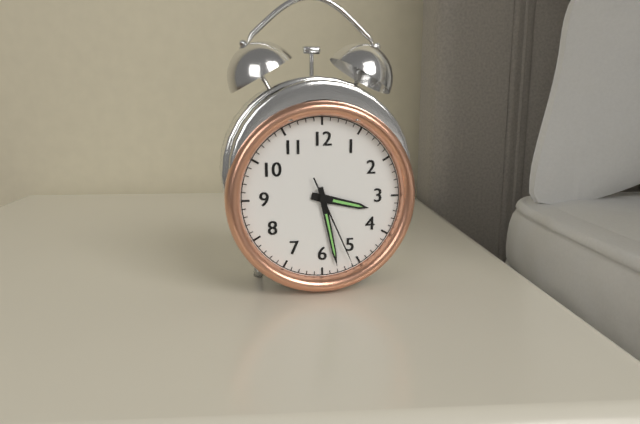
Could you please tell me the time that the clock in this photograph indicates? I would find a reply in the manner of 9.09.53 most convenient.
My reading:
3.28.26
